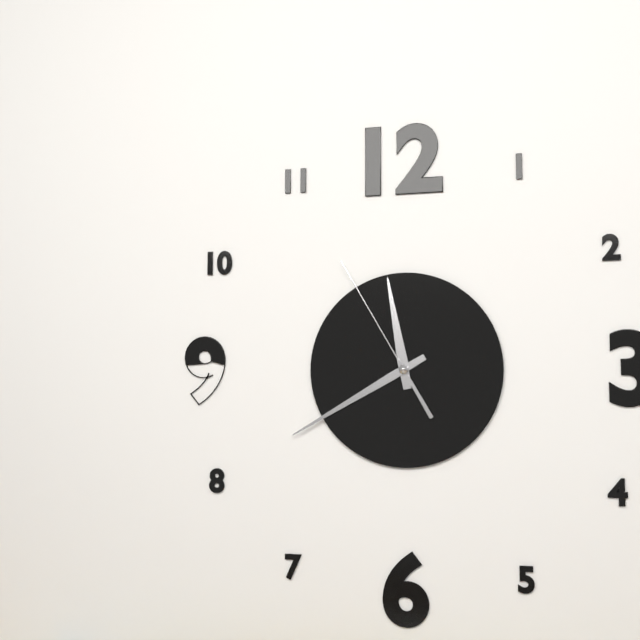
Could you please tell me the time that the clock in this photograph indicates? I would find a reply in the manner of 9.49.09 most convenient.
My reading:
11.40.55
